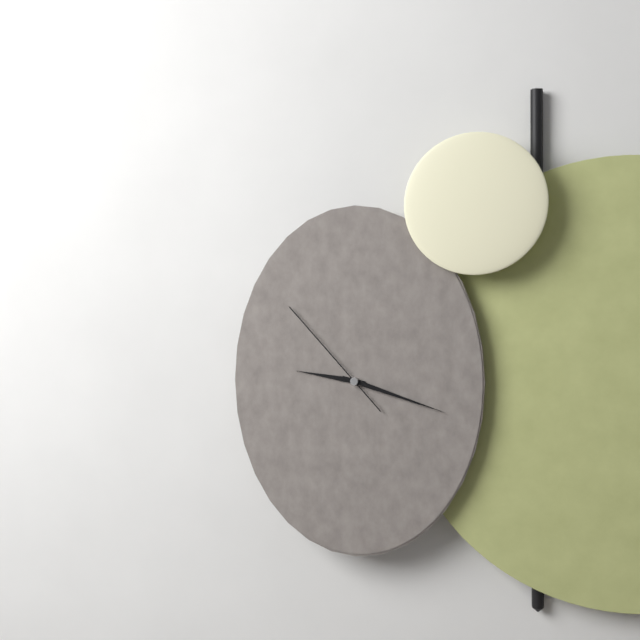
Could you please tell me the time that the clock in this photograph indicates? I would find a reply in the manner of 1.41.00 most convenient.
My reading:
9.18.53
